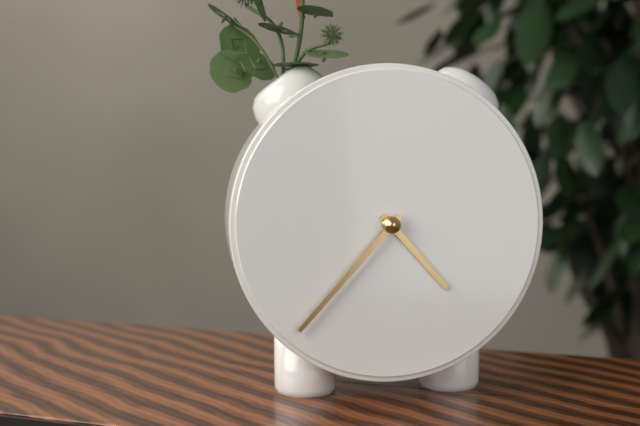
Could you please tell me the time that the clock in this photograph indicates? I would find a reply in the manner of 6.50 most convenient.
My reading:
4.37
